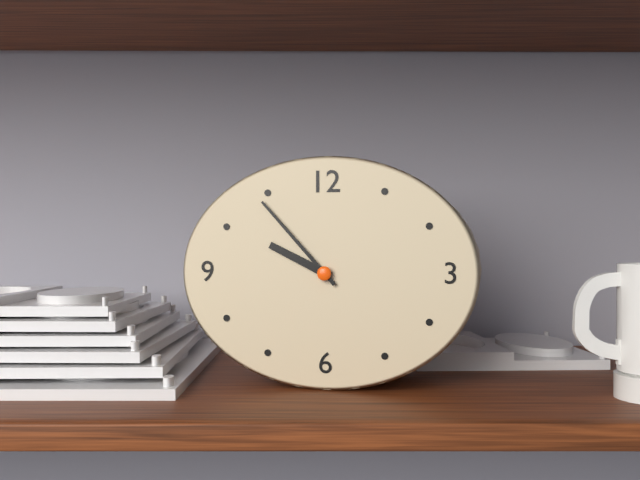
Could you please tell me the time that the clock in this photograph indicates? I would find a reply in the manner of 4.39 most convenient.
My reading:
9.53
